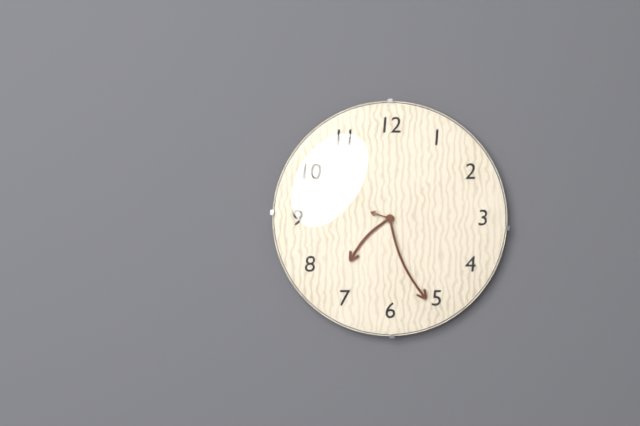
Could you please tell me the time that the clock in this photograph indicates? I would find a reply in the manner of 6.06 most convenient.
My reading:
7.26
